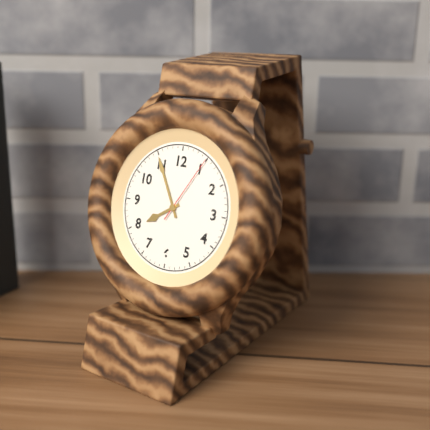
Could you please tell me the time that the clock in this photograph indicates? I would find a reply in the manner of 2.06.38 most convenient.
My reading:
7.55.05
